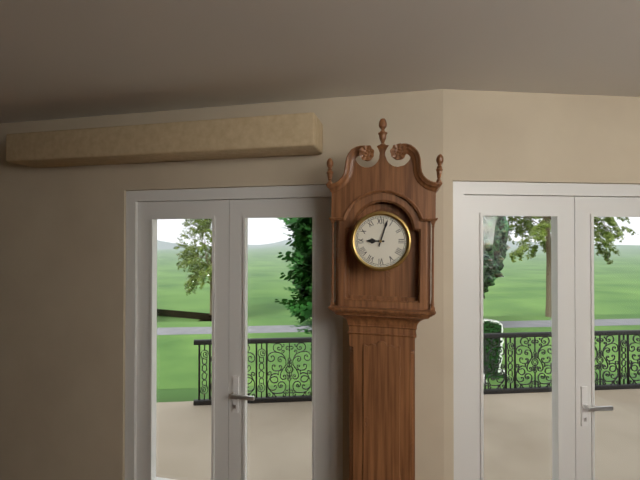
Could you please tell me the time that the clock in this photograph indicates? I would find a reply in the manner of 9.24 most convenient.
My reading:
9.03
